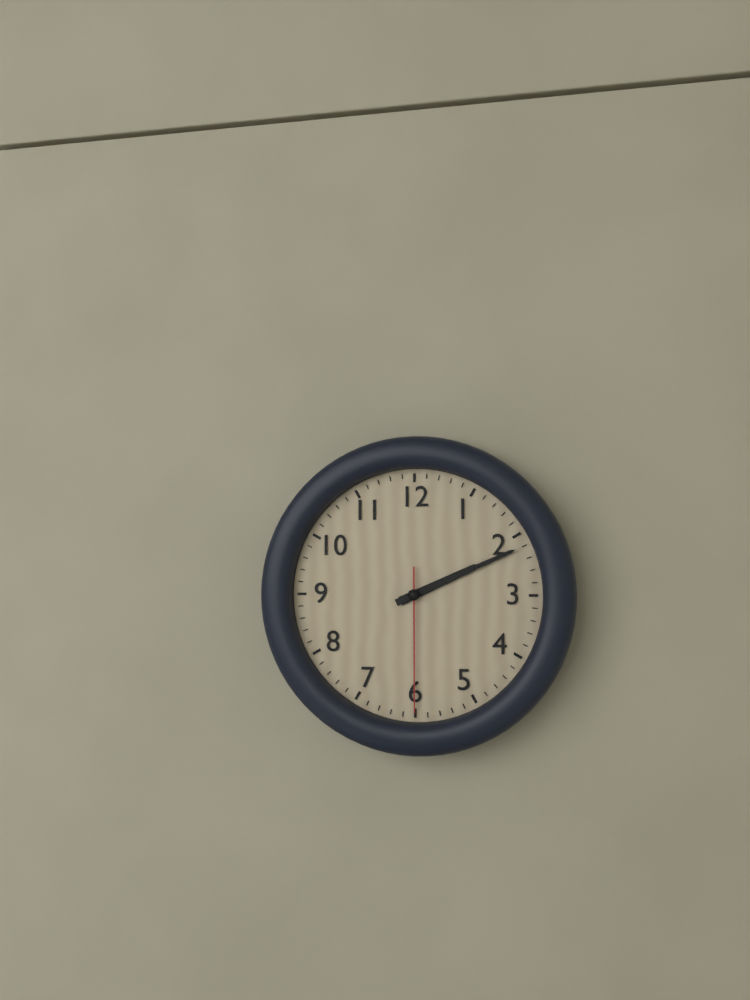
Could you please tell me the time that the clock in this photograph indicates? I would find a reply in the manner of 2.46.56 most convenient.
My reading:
2.11.30
